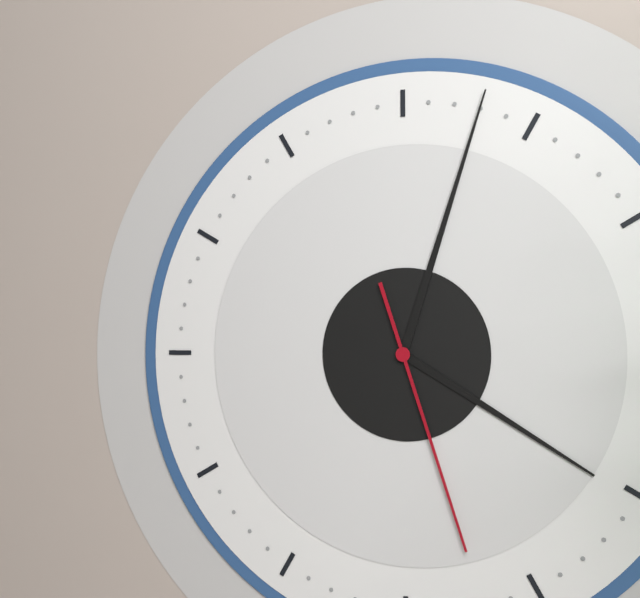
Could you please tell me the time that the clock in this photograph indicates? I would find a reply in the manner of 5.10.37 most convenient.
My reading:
4.03.27
